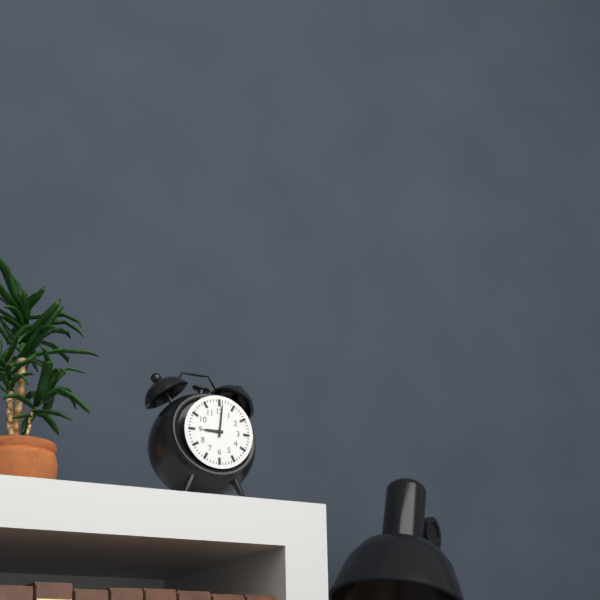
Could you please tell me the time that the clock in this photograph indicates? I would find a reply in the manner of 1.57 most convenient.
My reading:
9.01
